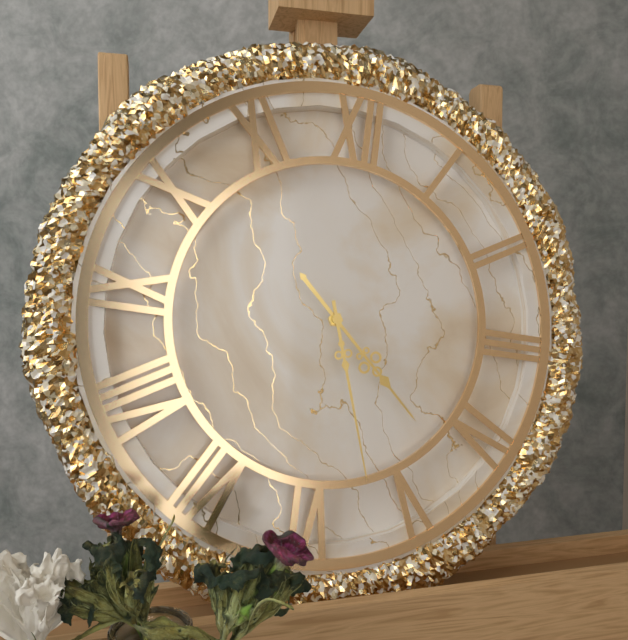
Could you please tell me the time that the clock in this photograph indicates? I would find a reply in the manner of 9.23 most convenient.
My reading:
4.27
